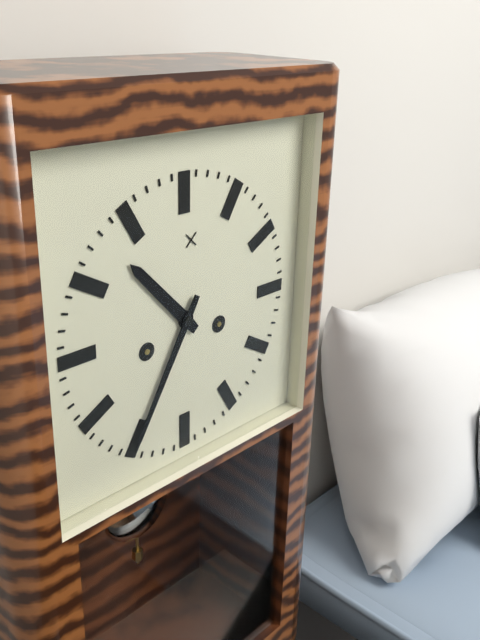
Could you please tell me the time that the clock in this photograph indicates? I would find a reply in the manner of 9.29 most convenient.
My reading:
10.35
